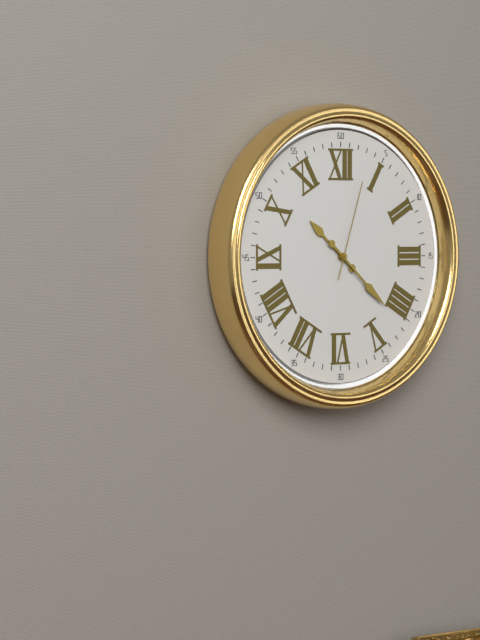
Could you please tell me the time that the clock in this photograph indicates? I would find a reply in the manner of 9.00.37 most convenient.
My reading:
10.22.03
